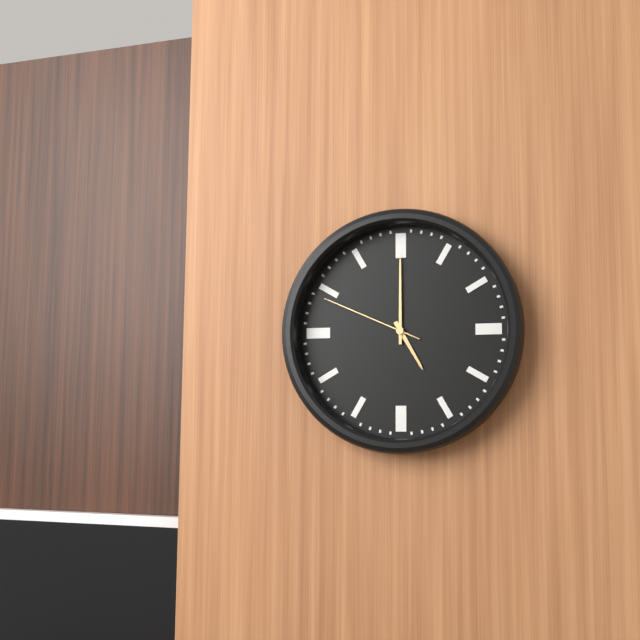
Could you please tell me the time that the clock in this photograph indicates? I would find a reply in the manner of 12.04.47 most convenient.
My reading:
5.00.49
